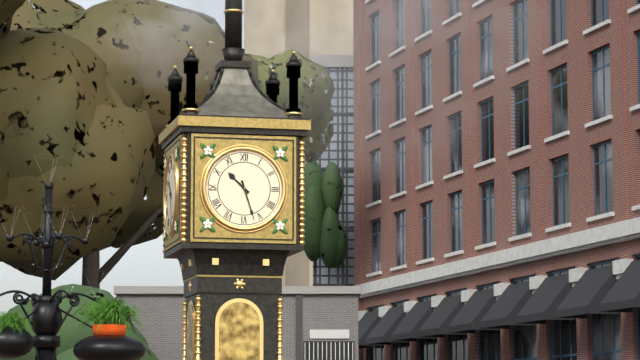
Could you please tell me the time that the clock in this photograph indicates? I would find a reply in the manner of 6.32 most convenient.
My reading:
10.27
